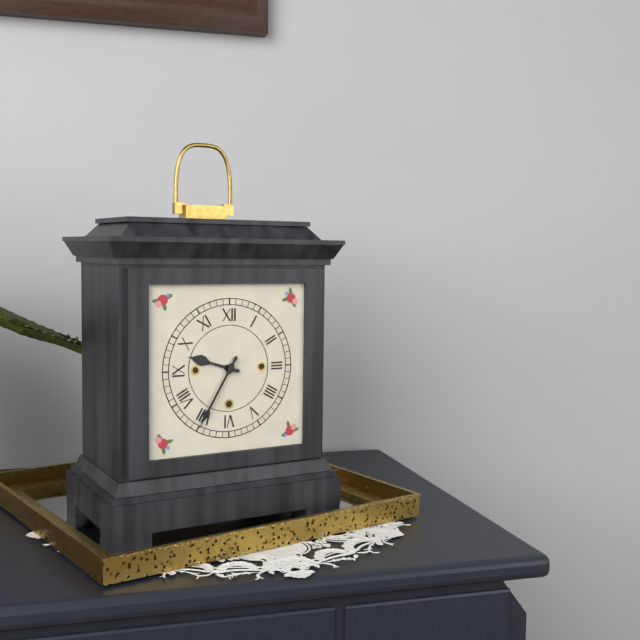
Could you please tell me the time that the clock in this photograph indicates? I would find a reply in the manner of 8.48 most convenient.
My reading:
9.35
